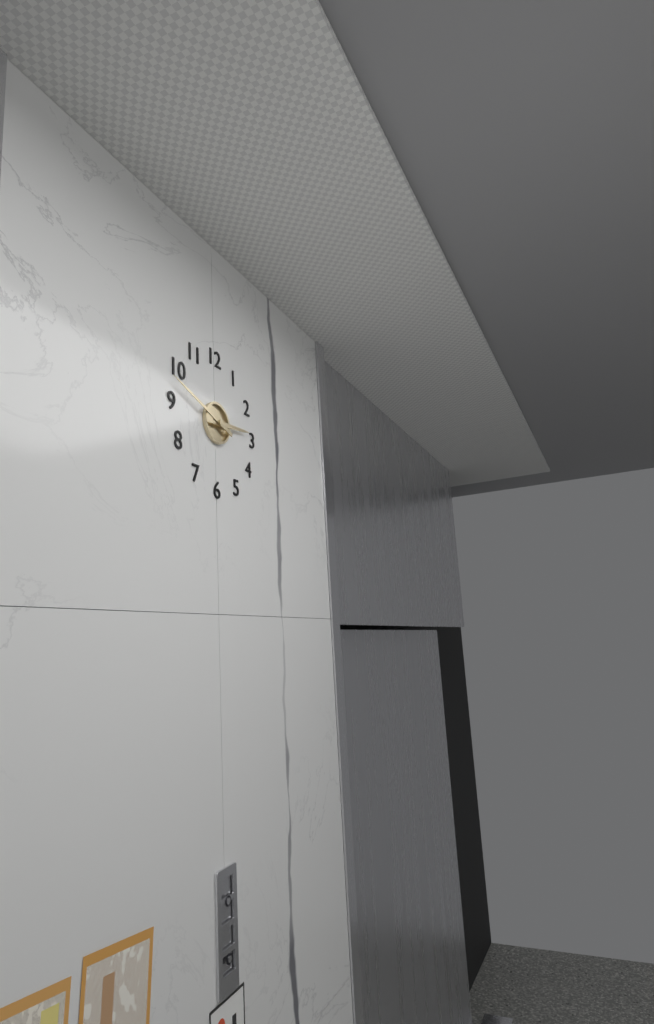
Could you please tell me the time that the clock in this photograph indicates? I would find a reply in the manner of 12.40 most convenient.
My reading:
2.48
